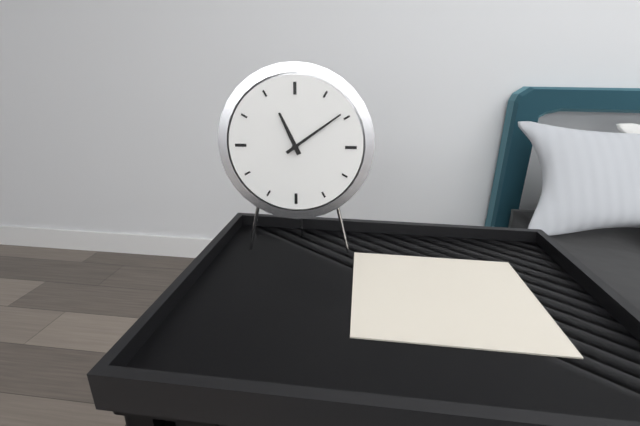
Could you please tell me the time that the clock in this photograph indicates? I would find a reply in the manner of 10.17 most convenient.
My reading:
11.09
